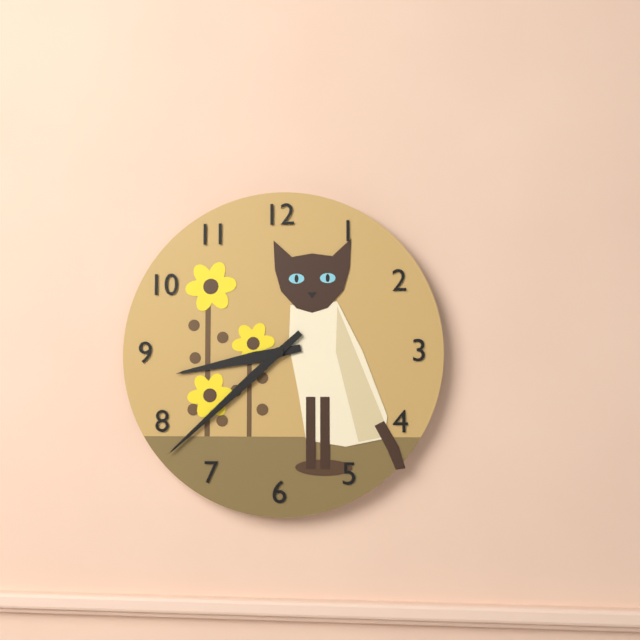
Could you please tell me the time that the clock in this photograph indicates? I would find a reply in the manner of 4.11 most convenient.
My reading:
8.38
